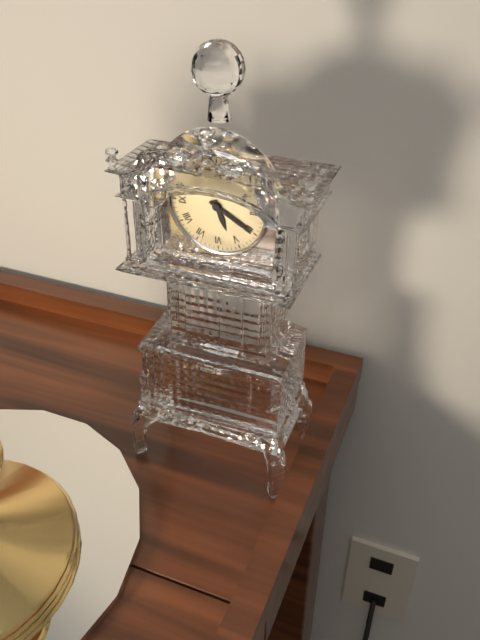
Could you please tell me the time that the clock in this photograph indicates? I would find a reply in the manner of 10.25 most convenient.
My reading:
5.20
